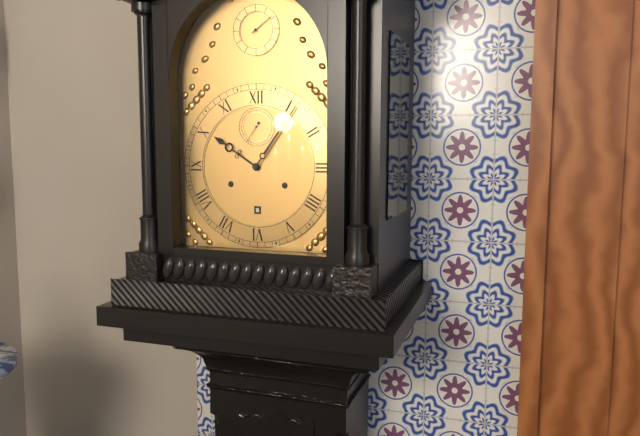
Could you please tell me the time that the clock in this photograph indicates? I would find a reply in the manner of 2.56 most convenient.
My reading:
10.06
